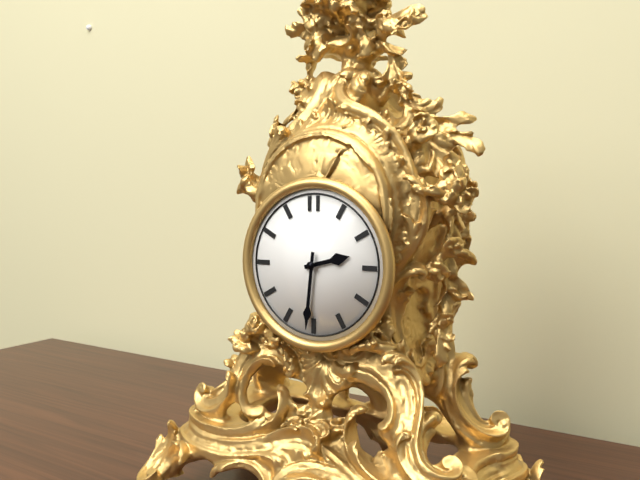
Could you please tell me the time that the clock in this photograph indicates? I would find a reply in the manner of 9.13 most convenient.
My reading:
2.31
